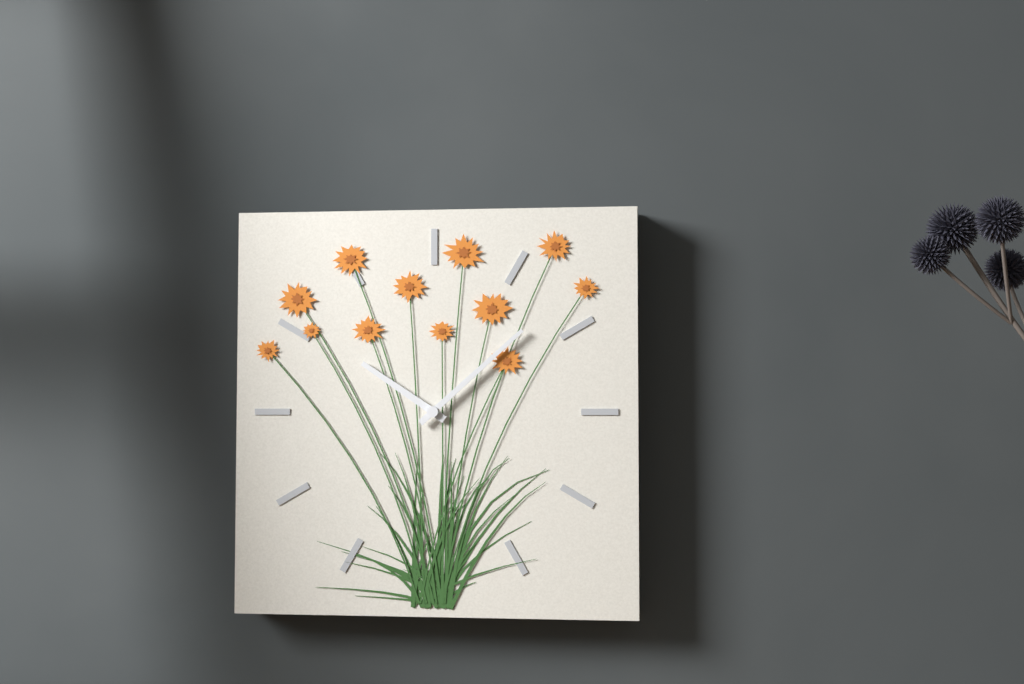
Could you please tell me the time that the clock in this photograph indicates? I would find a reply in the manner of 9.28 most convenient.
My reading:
10.08
